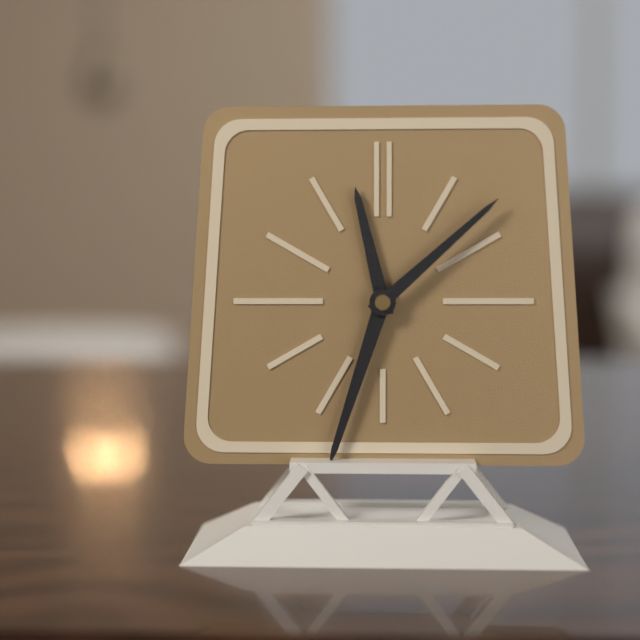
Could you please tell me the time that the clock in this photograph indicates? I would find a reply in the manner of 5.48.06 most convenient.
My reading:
11.33.08
